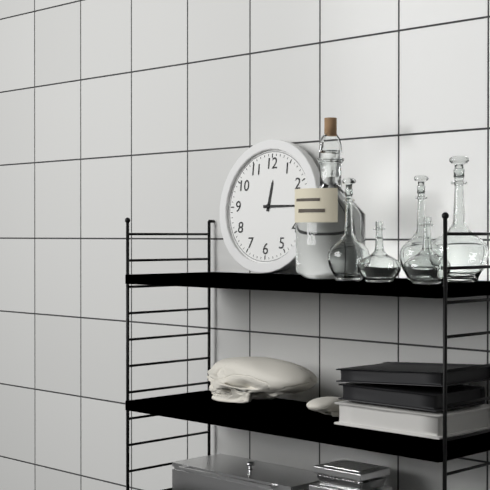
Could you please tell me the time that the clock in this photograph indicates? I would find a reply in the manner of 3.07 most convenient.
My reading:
12.15
